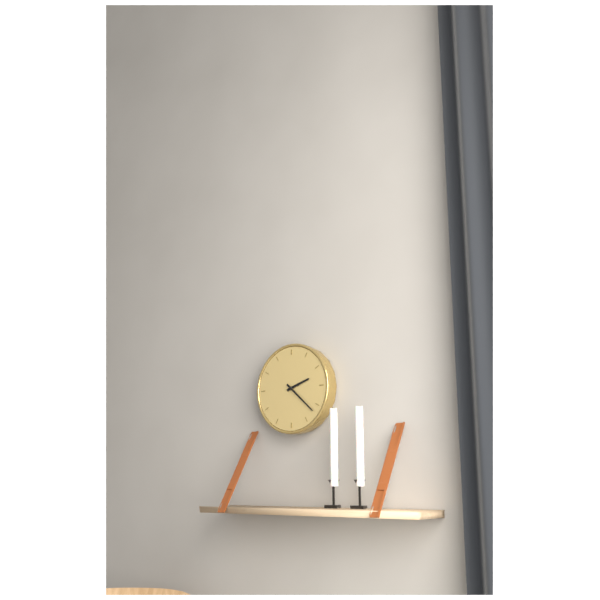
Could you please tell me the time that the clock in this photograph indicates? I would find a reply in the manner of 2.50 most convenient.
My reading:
2.22
